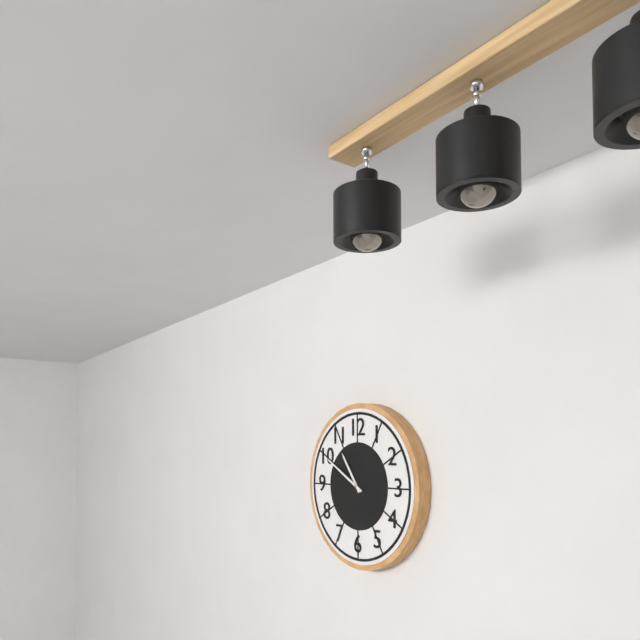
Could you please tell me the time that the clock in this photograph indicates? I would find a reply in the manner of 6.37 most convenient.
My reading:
10.50
